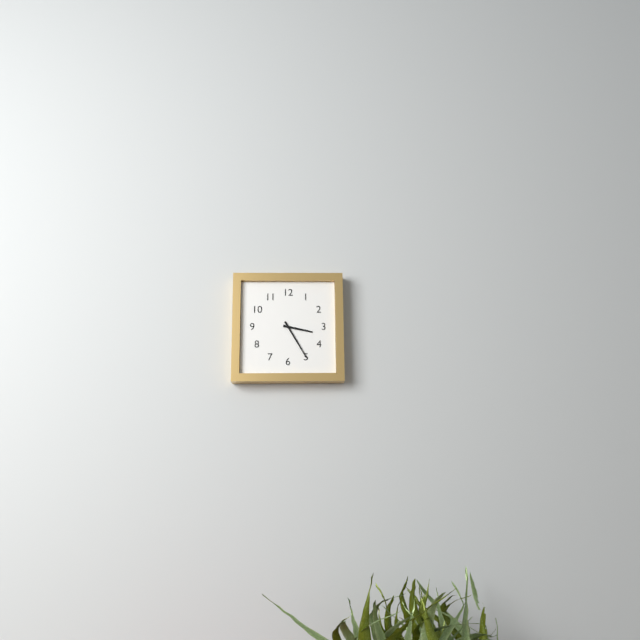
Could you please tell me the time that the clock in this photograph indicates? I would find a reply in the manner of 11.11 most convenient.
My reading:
3.25
